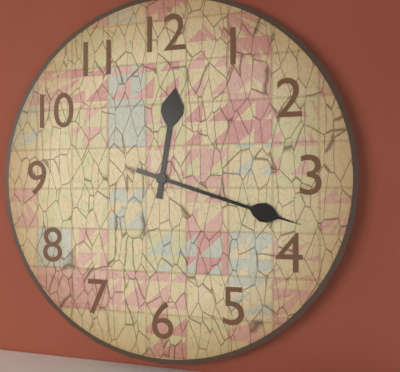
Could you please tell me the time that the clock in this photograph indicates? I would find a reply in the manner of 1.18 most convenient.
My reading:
12.18
